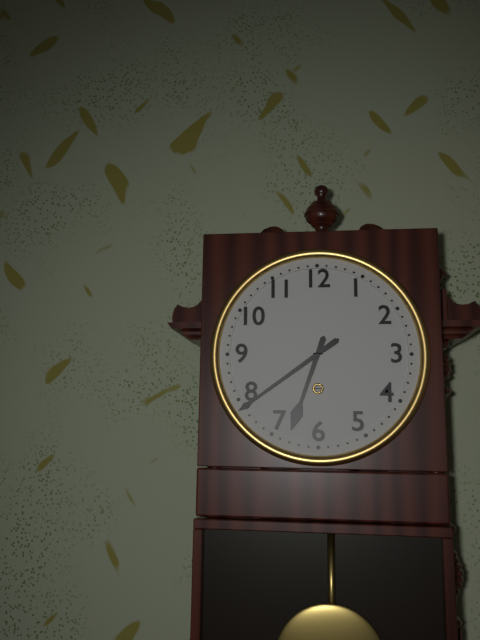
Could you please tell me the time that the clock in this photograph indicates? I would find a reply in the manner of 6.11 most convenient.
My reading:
6.39
